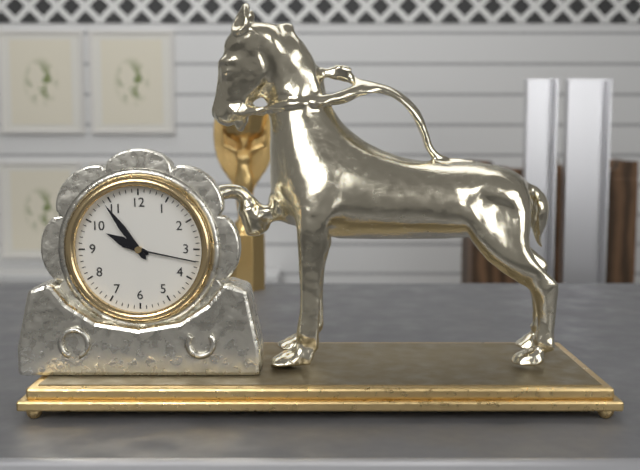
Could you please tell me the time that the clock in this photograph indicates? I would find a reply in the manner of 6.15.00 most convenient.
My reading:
9.54.17
